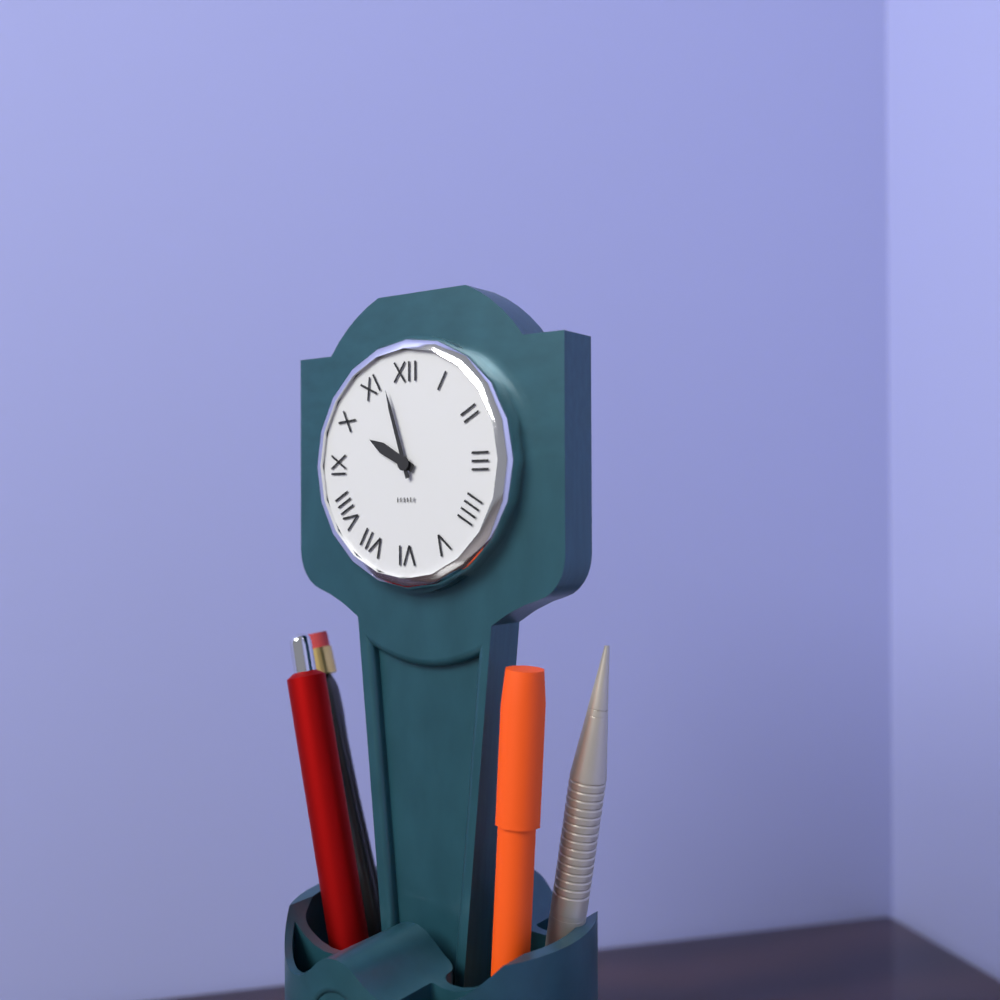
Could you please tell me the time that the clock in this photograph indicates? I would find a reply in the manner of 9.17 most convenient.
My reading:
9.57
